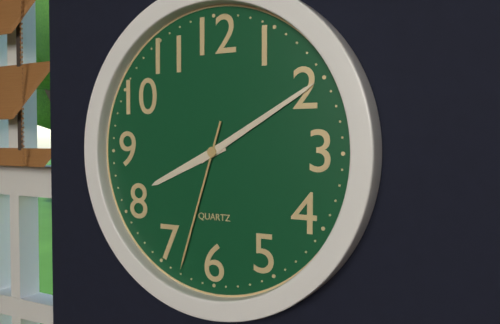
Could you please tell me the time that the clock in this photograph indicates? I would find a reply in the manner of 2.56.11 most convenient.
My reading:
8.10.33
